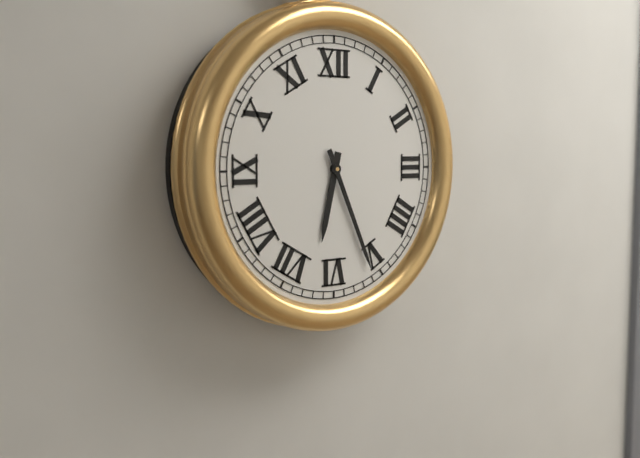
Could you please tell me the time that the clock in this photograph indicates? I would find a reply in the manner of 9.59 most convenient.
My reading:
6.26
